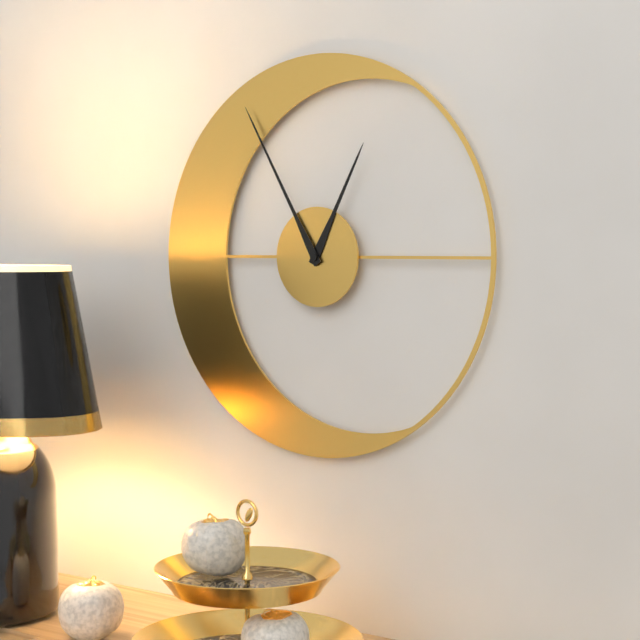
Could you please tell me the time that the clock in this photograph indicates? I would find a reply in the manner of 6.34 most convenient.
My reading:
12.55
